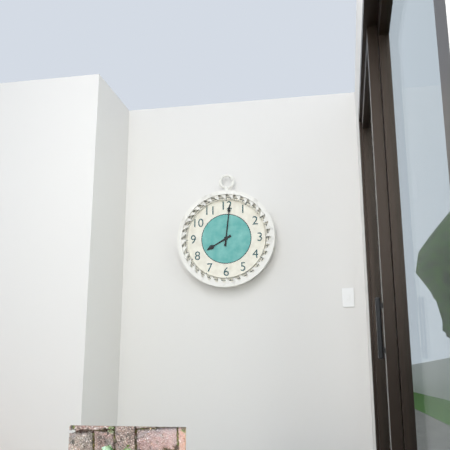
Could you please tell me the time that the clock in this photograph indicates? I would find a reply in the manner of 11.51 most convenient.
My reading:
8.01
